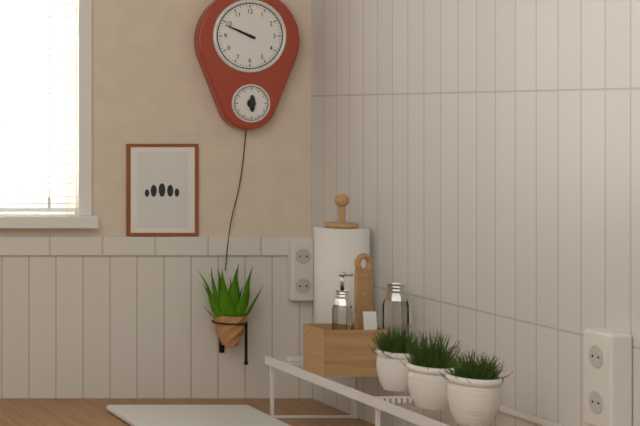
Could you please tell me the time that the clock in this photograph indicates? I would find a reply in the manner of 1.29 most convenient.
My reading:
9.49
